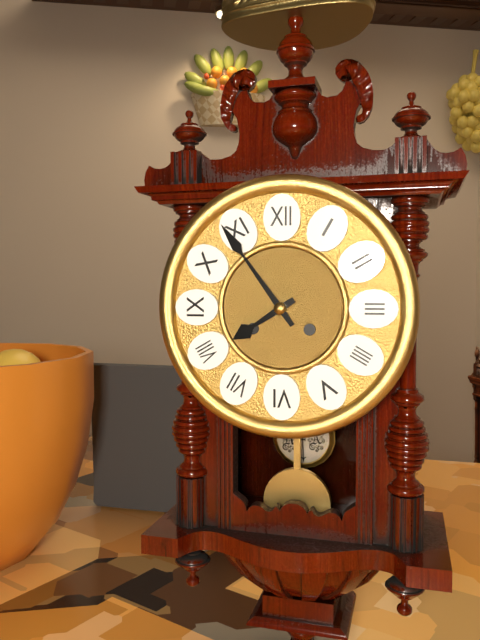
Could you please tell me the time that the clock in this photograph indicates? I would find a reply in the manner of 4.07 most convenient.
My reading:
7.54
